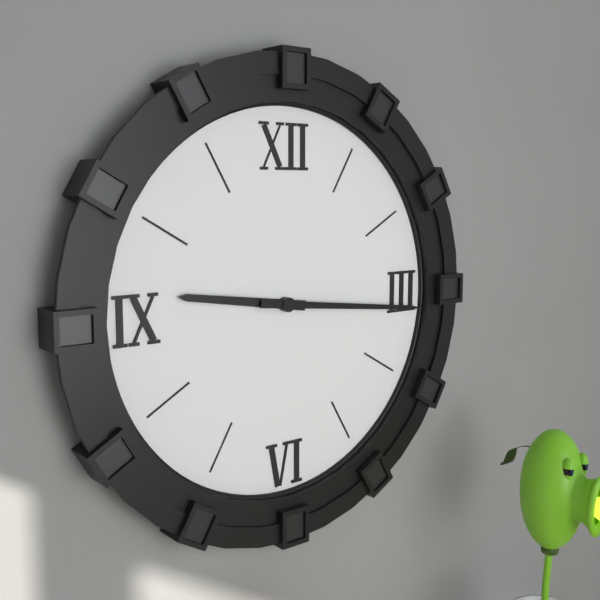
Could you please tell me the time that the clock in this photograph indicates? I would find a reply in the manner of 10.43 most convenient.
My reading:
9.16
